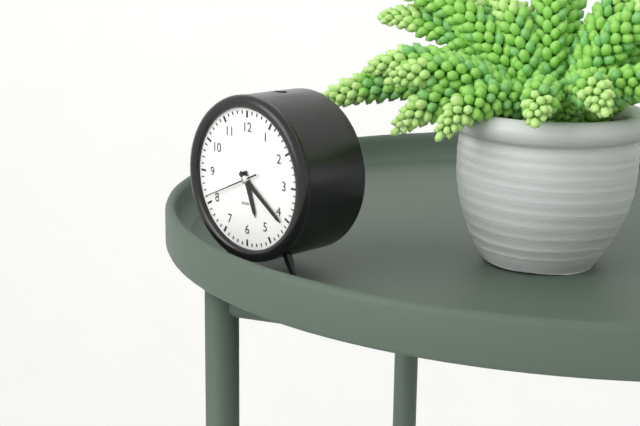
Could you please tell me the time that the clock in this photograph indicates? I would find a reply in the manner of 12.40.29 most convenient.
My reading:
5.21.41
